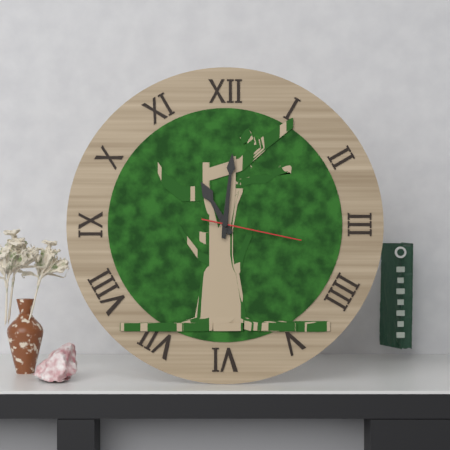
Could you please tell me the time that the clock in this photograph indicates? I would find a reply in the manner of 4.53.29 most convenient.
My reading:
11.01.17
